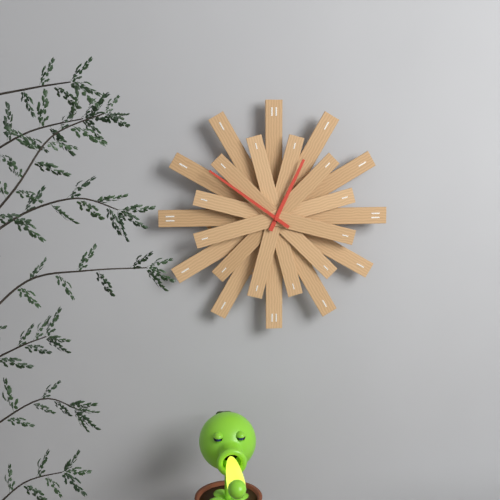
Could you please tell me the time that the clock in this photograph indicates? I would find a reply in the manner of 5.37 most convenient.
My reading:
12.51
